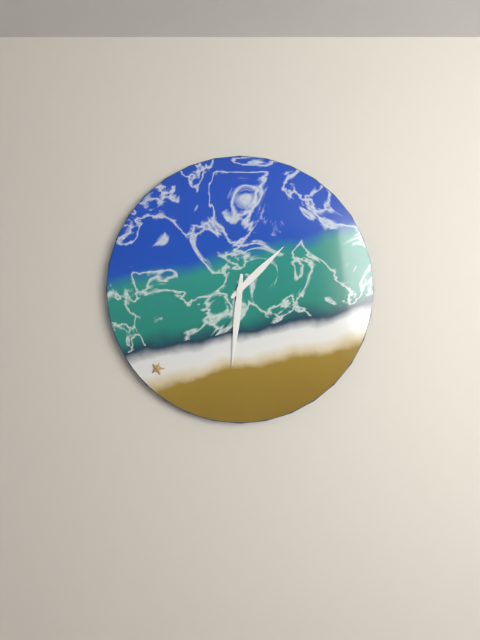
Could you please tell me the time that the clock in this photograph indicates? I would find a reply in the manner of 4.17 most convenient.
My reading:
1.31
